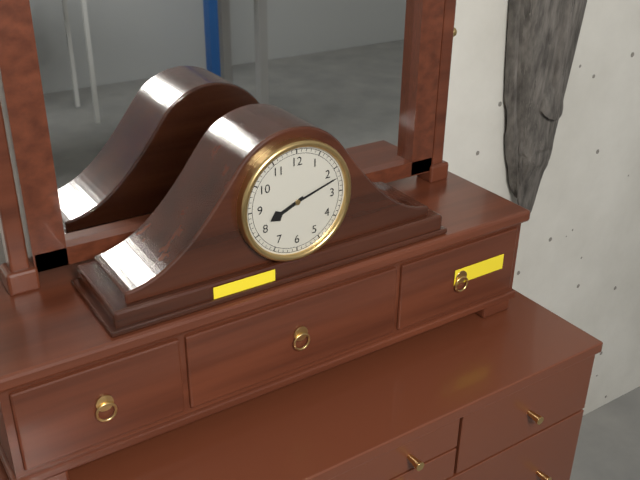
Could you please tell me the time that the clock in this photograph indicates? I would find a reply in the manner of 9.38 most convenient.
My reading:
8.12
